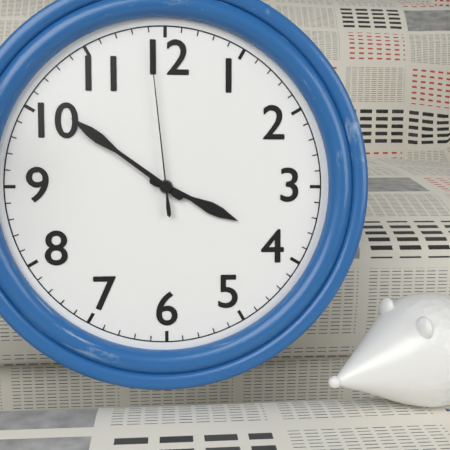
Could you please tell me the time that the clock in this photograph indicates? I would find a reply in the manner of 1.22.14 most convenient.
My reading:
3.51.59
